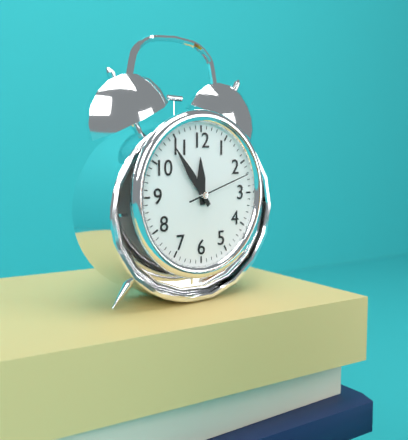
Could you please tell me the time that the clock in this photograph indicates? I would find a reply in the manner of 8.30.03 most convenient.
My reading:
11.54.12
